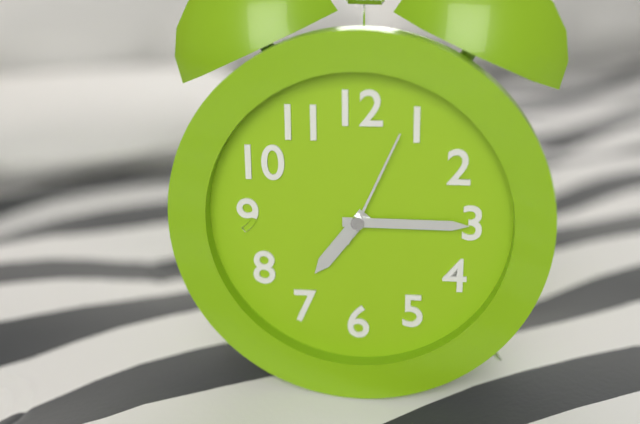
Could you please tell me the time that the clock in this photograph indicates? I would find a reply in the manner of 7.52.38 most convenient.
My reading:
7.15.04
